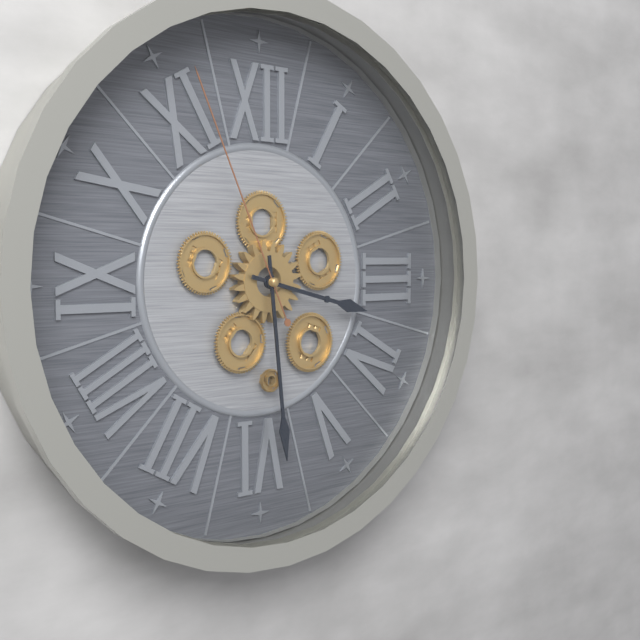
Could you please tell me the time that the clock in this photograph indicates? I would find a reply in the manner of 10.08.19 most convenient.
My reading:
3.29.56
